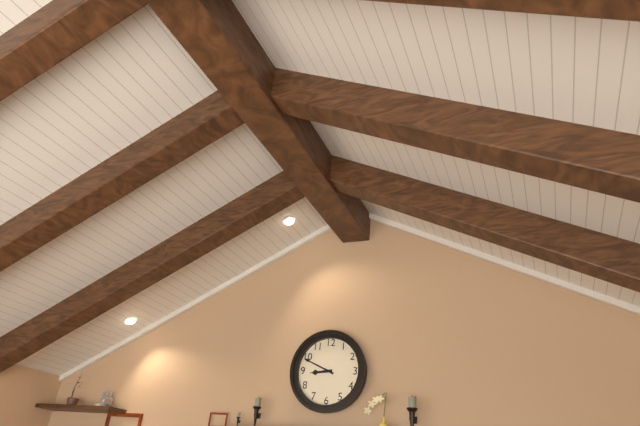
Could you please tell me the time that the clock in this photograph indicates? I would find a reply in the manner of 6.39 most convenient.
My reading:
8.49
